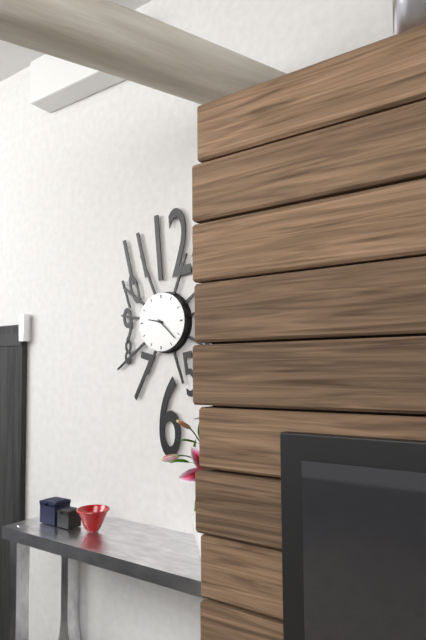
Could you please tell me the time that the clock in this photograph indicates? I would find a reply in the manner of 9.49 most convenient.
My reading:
9.22
